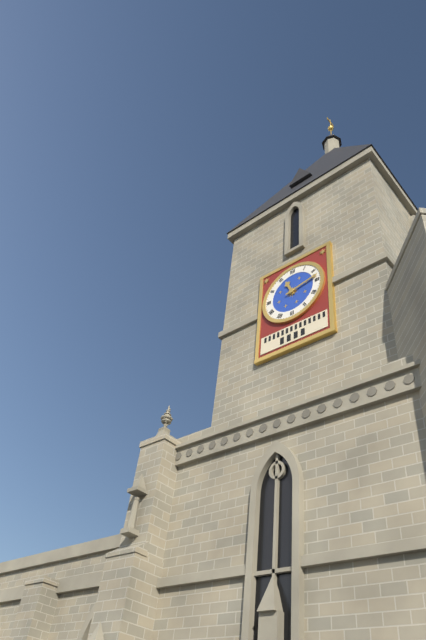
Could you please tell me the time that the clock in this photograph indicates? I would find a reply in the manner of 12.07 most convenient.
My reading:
11.13
